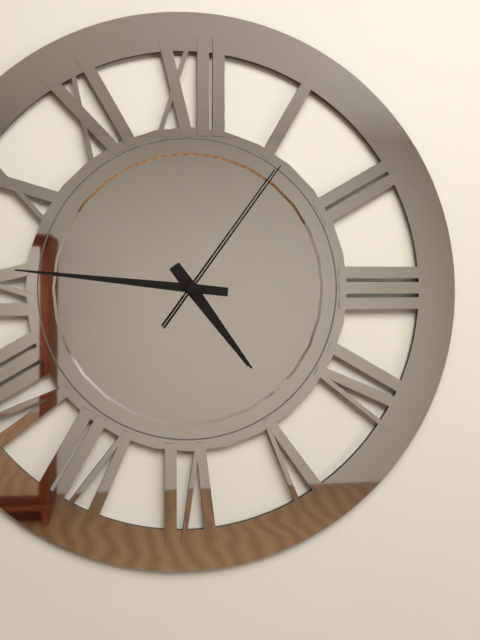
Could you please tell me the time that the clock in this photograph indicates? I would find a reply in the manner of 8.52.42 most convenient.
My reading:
4.46.06
